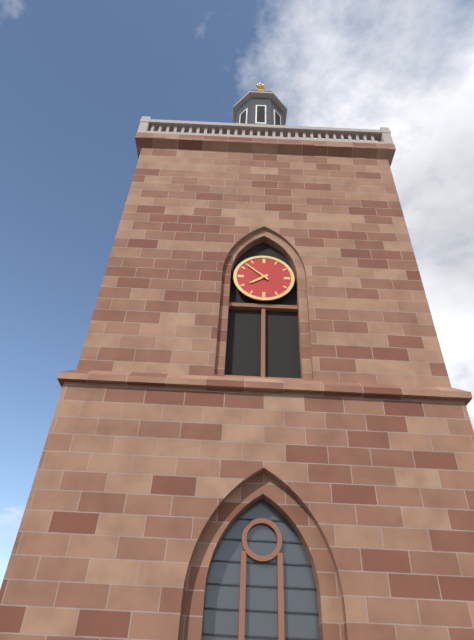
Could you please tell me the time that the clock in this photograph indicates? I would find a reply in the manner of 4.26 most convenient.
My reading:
7.52
